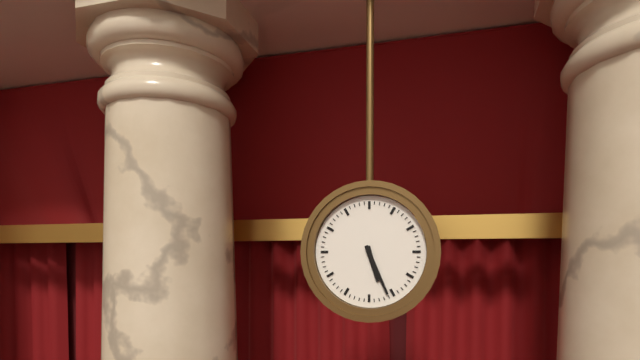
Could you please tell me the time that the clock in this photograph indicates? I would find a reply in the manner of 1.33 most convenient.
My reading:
5.26
